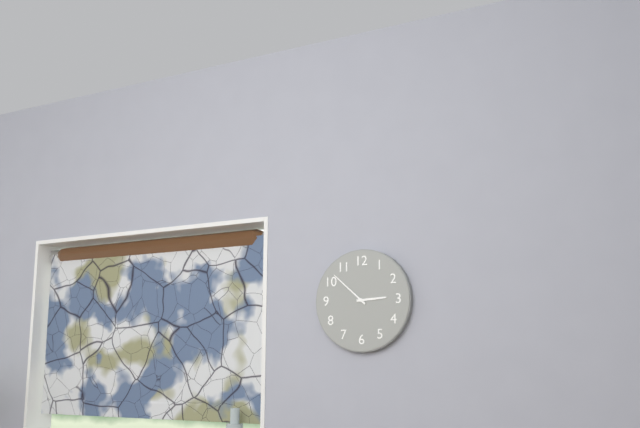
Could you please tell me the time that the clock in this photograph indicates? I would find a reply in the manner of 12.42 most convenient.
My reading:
2.52
